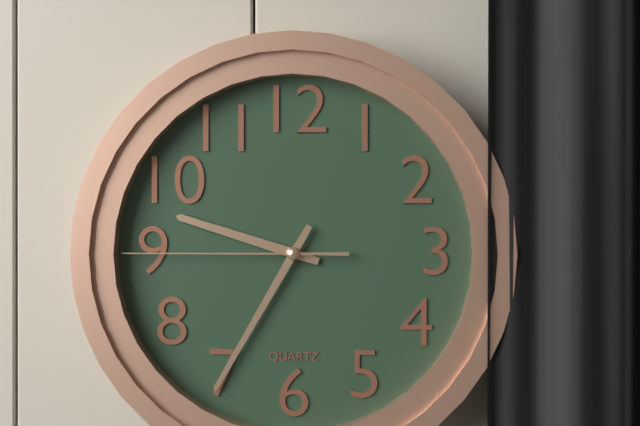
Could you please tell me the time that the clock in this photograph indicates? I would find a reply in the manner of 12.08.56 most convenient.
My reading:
9.35.45
